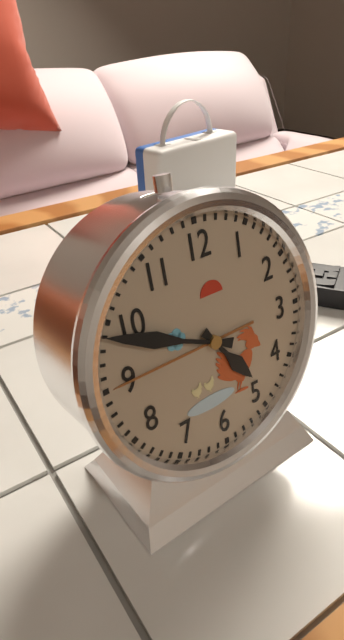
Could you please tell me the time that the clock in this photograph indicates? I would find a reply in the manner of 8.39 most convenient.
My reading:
4.49
